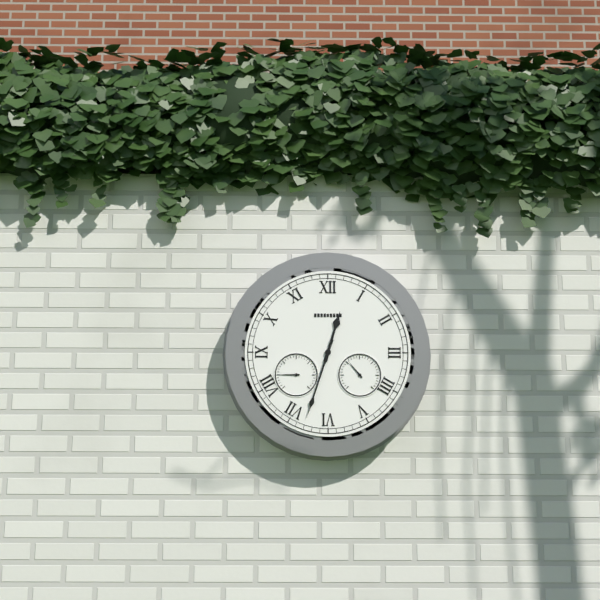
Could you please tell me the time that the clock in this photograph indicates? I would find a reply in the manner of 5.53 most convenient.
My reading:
12.33
